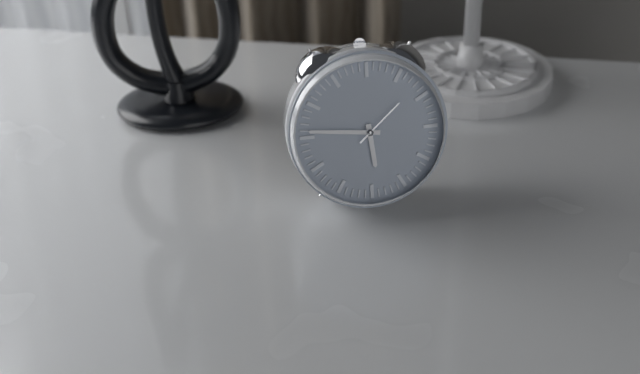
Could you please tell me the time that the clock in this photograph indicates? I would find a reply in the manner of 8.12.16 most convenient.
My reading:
5.46.08
